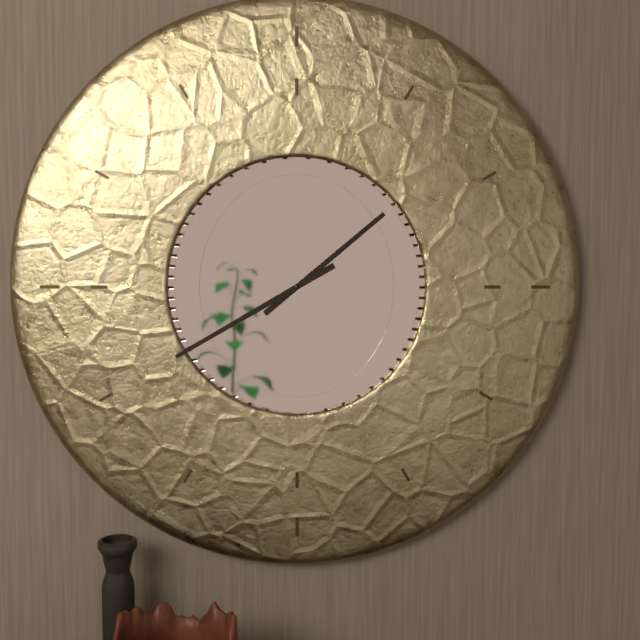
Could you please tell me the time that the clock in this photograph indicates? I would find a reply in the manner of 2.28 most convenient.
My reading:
1.40
